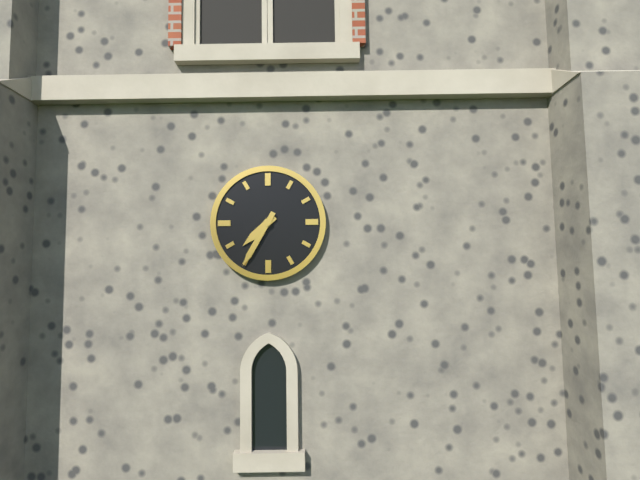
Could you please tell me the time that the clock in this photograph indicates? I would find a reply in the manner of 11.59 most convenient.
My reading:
7.35
